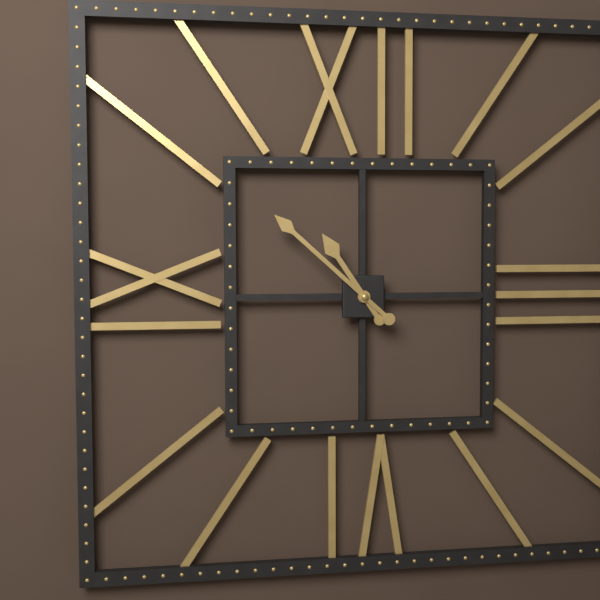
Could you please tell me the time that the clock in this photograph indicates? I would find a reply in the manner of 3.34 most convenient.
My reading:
10.52
